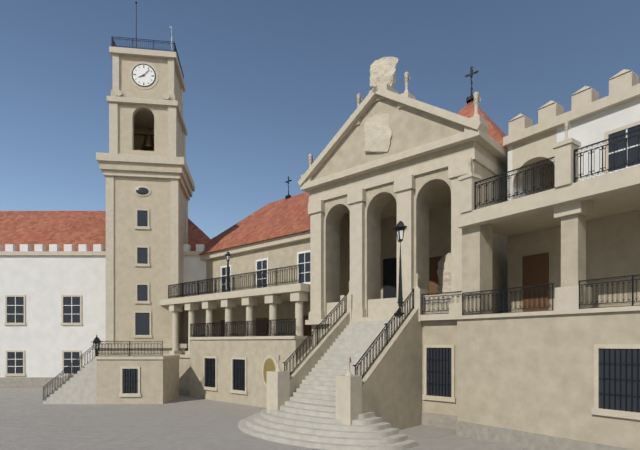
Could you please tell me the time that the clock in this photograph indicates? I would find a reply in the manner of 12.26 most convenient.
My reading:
8.07
